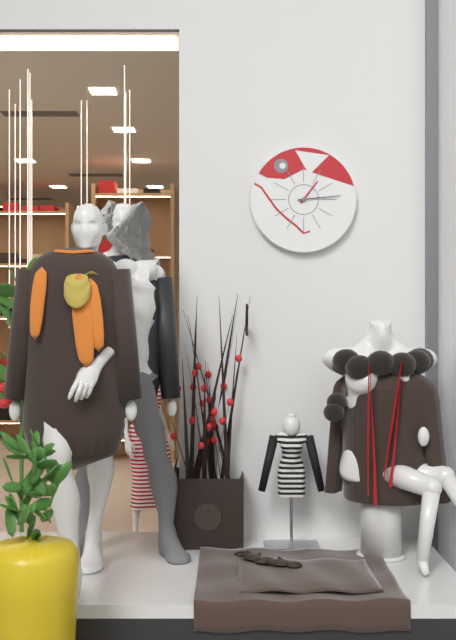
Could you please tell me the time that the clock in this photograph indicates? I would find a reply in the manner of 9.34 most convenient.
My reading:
1.14
